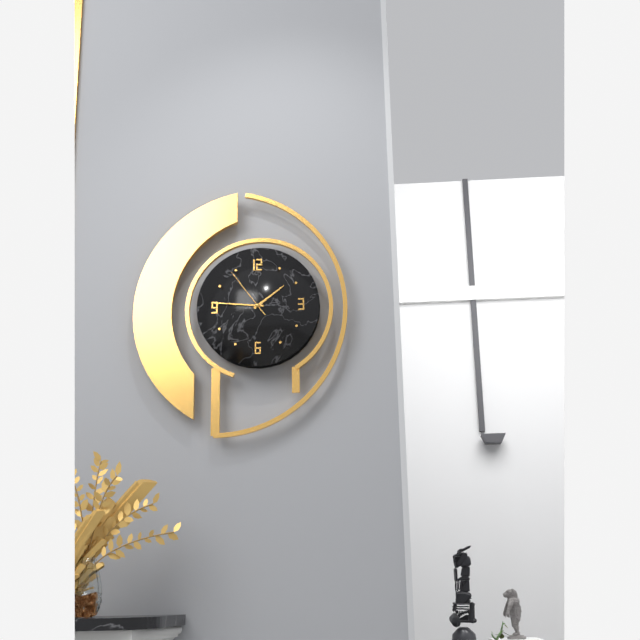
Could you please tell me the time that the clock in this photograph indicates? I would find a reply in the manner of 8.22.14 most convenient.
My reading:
1.46.54
